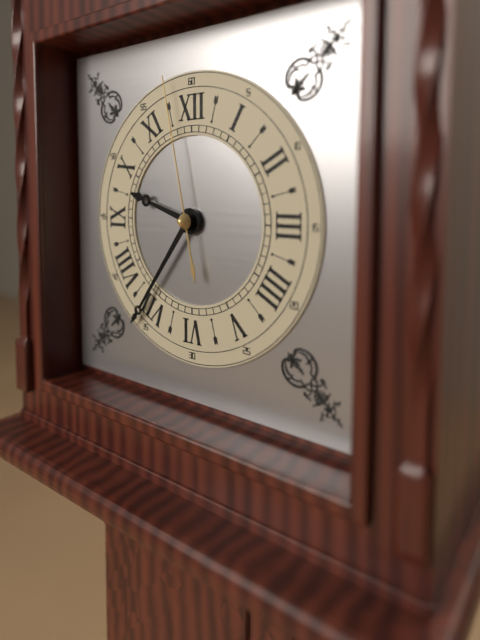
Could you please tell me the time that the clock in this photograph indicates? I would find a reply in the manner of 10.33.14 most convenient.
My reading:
9.36.58
